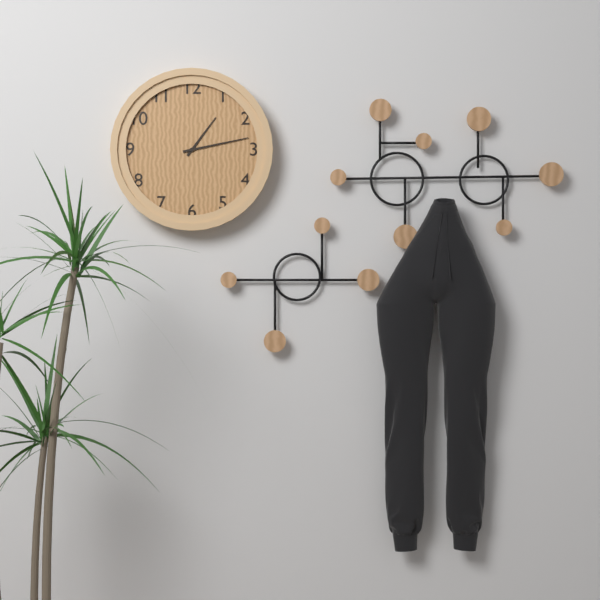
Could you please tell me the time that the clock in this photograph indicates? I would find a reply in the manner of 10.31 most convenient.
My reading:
1.13
